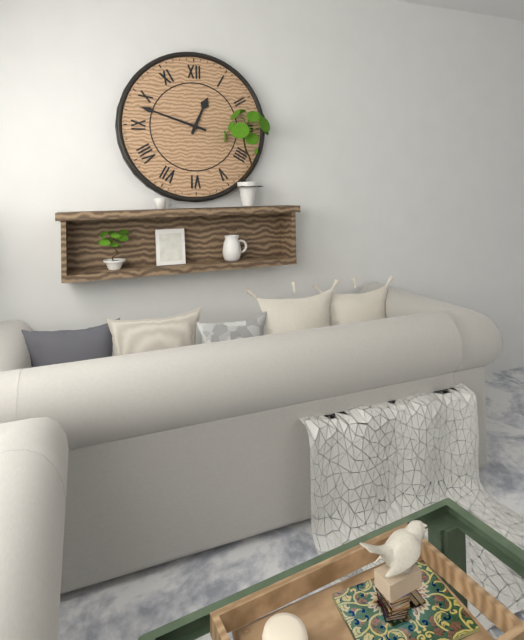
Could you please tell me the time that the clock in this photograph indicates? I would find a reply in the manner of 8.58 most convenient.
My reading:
12.48
